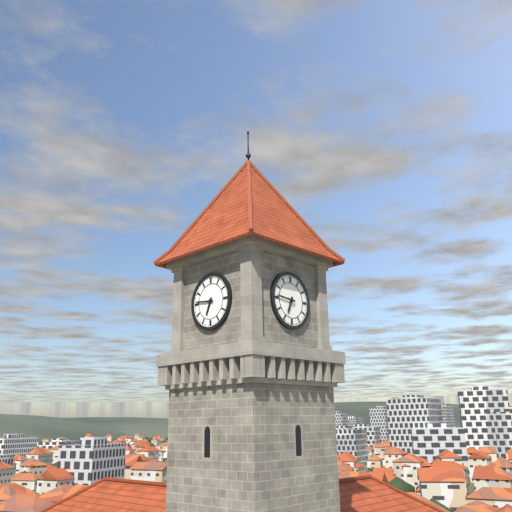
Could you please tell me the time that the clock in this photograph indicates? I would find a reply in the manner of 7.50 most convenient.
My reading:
6.46
